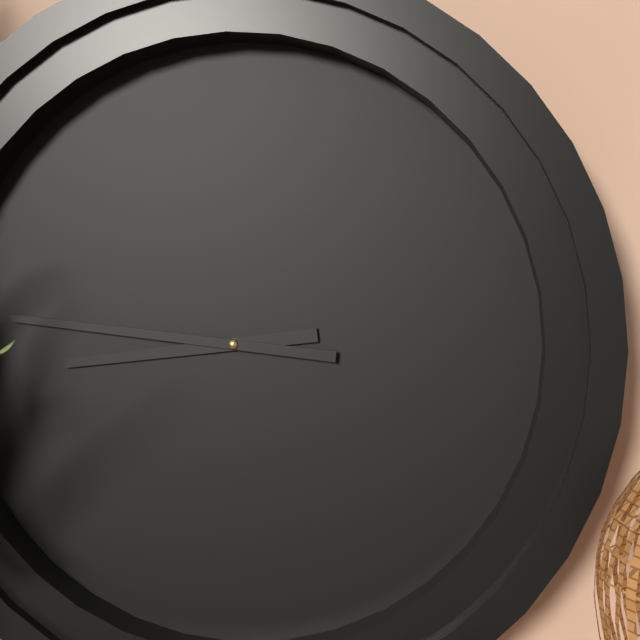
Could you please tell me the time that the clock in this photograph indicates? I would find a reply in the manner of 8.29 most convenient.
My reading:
8.46
